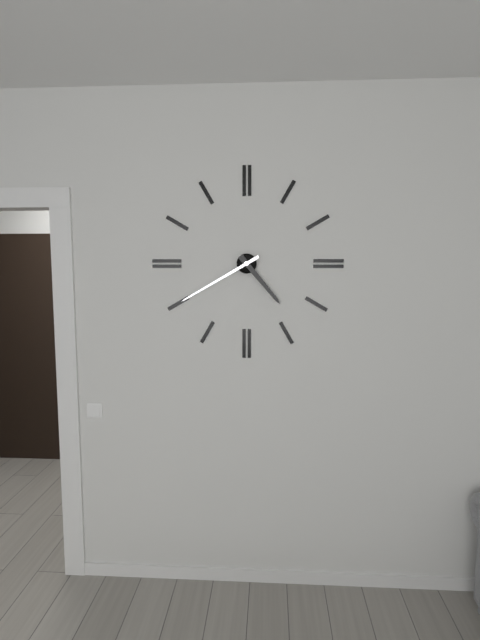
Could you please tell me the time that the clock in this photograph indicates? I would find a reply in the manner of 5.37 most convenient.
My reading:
4.40
